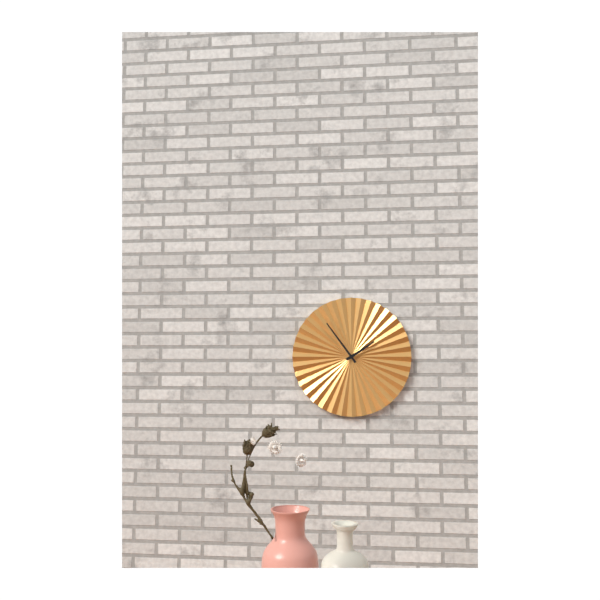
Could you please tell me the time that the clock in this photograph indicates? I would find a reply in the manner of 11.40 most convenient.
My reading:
1.54
